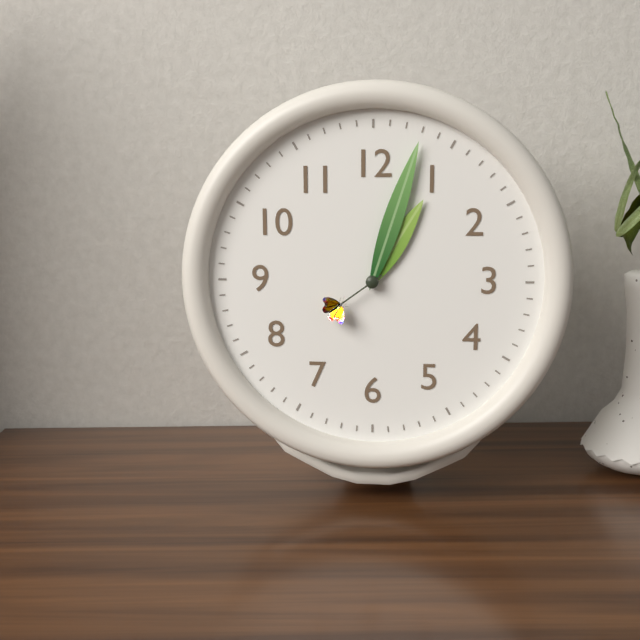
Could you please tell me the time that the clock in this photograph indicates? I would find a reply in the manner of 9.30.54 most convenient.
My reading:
1.03.39
